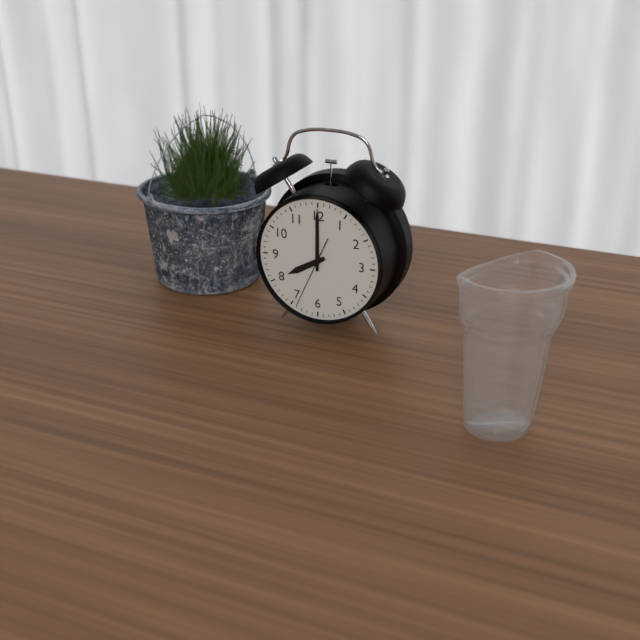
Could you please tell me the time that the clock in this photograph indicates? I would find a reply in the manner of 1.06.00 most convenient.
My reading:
8.00.34
